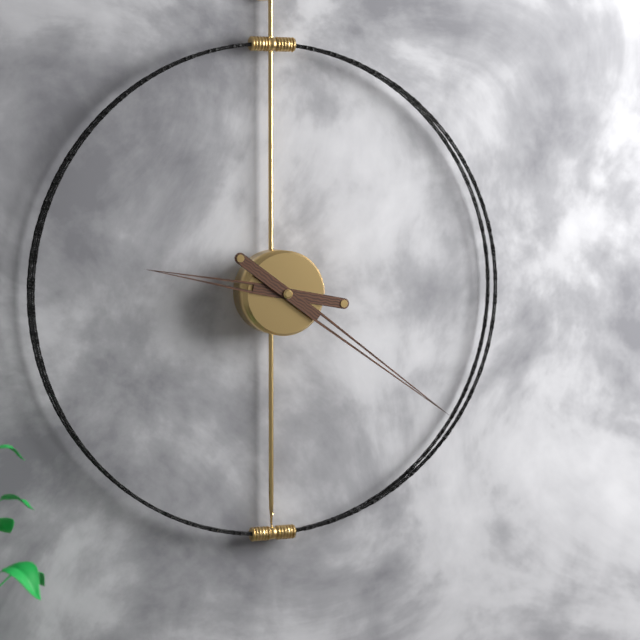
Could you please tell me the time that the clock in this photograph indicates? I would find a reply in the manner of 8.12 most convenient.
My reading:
9.21
